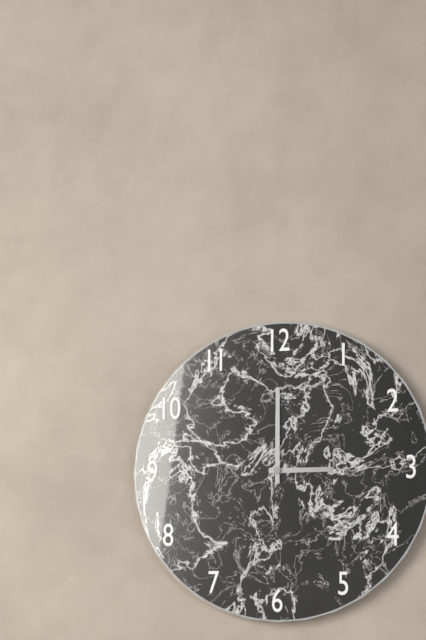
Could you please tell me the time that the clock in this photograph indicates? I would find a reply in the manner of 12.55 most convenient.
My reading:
3.00
